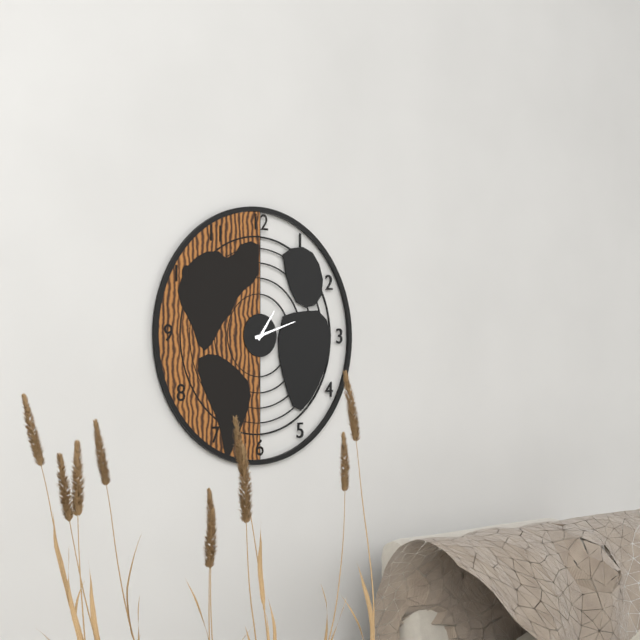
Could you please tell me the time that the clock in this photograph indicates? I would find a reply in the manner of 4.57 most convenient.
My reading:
1.12
